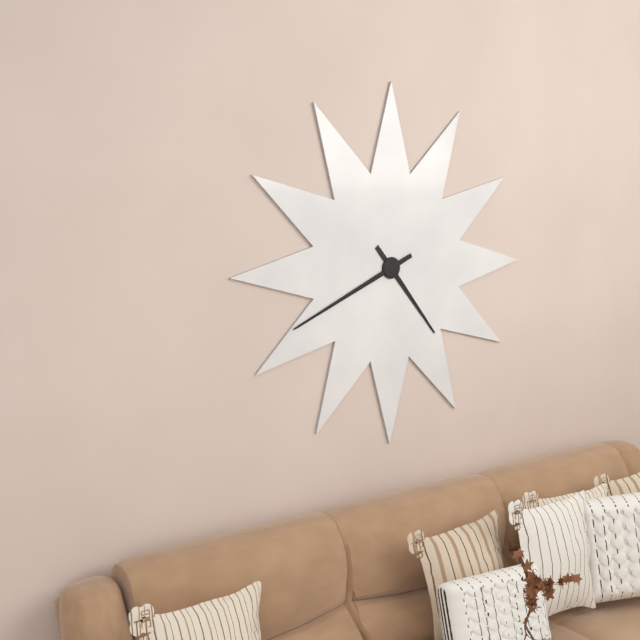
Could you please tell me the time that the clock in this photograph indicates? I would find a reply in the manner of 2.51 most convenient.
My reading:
4.41
